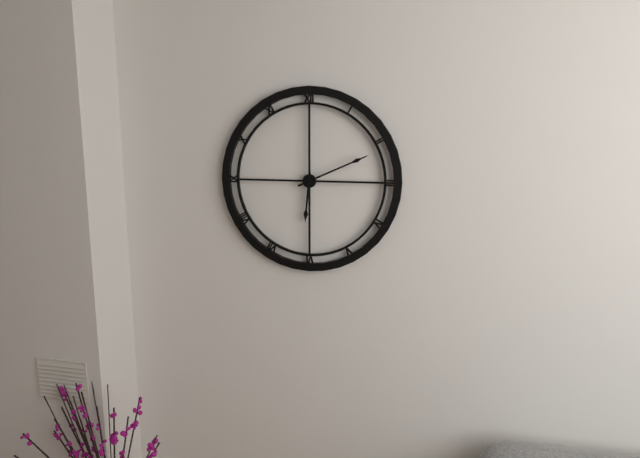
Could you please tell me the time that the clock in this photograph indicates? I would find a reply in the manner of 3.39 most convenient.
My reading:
6.11
